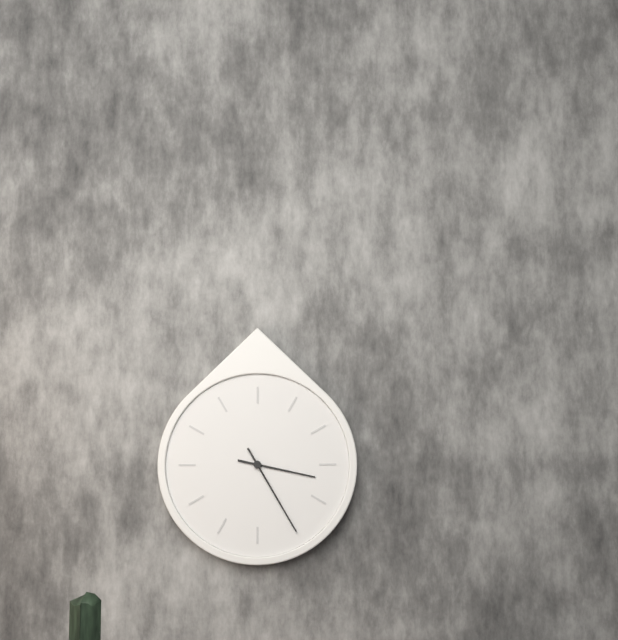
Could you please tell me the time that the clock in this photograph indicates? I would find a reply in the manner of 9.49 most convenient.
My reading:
3.25
